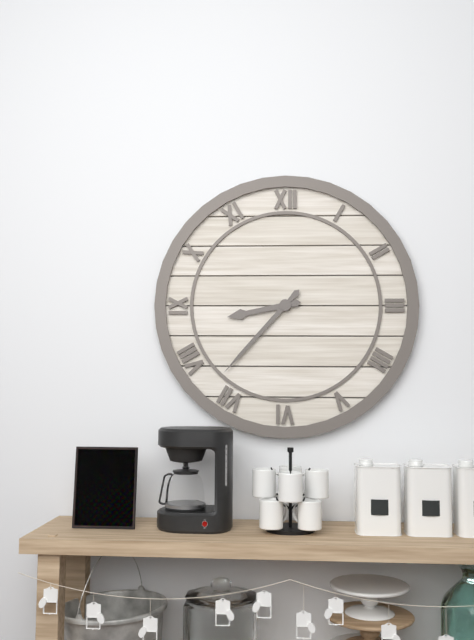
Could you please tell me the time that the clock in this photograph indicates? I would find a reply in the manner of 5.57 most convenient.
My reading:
8.37
